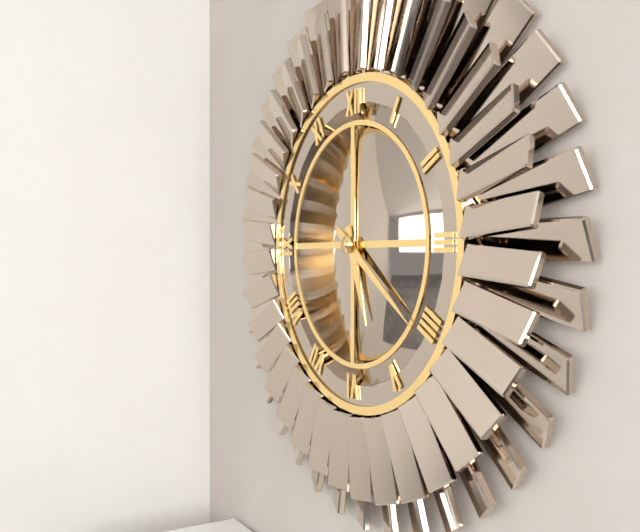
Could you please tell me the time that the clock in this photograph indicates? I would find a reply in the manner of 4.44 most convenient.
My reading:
5.21
